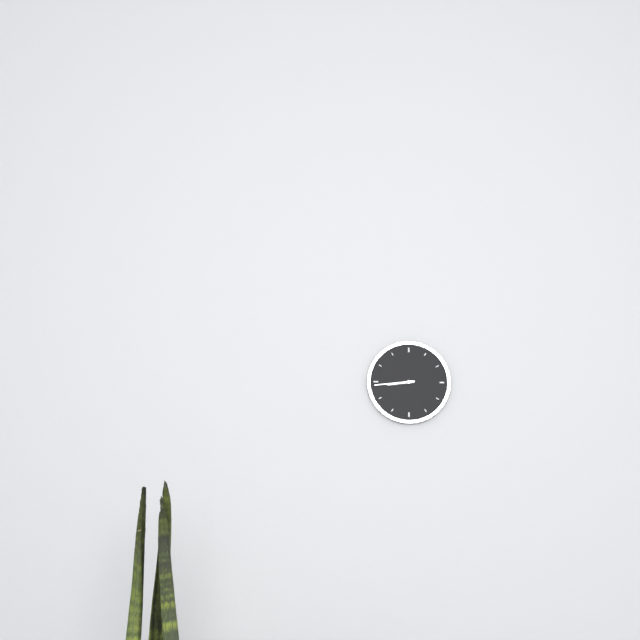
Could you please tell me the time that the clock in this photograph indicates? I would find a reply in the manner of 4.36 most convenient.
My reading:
8.44
